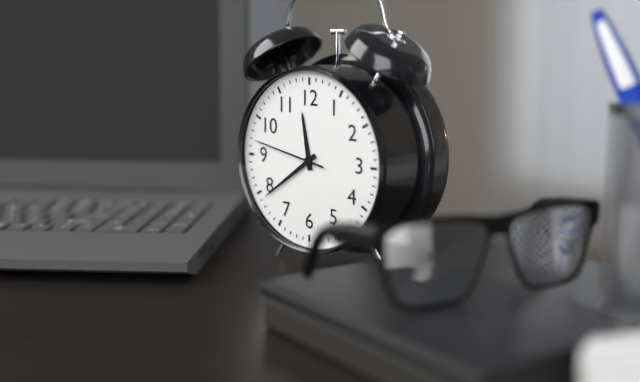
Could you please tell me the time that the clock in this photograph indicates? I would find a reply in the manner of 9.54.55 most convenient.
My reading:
11.39.47
